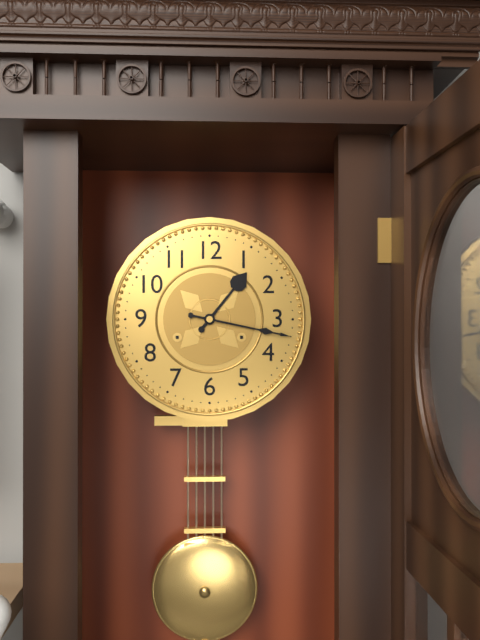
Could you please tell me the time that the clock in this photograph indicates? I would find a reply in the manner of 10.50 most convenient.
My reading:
1.17
